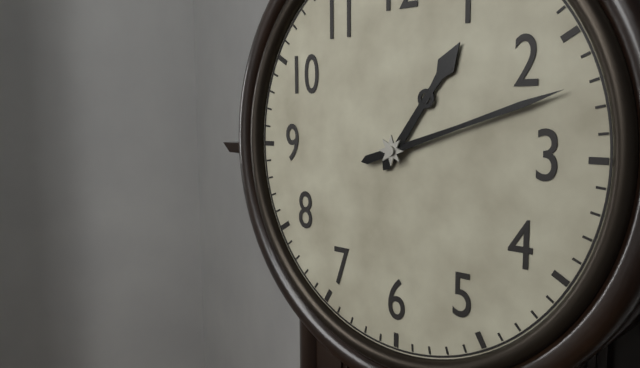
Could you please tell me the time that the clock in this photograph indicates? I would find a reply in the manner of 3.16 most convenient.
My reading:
1.12
